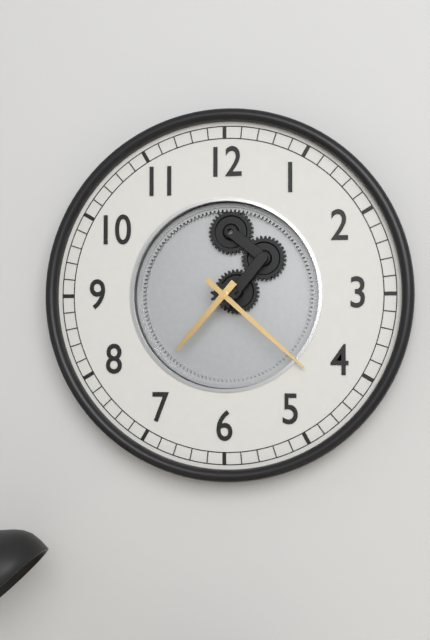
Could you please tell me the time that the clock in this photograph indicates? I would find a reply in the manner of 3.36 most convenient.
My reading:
7.22
